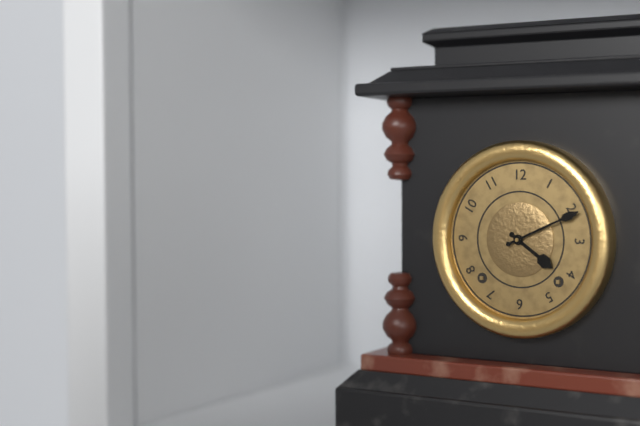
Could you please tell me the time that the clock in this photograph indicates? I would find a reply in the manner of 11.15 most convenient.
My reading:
4.11
